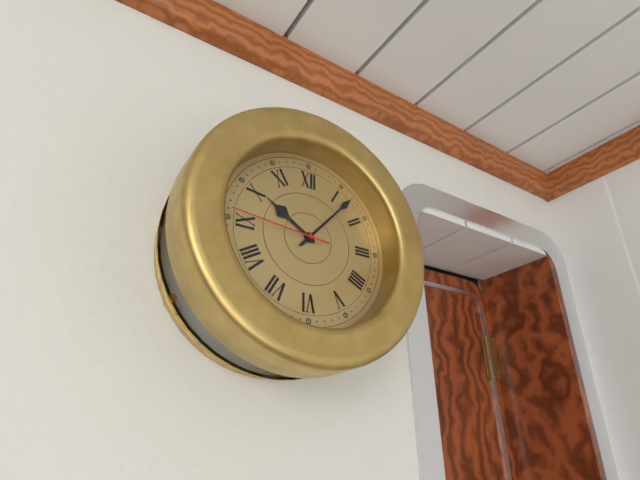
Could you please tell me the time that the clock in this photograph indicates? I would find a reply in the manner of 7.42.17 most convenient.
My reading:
10.07.46
